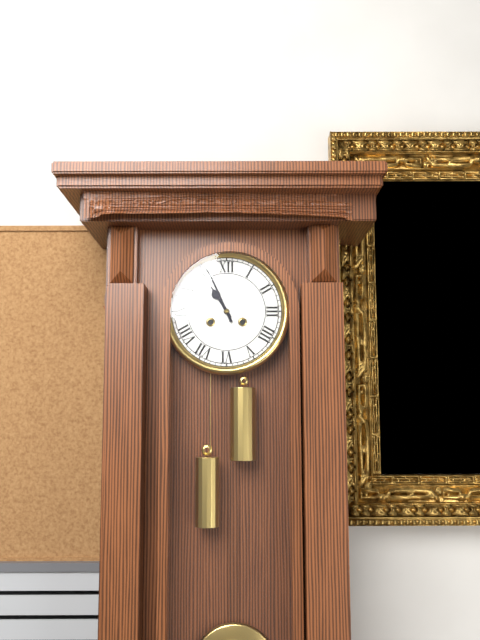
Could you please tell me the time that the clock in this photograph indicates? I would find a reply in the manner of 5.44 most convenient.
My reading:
10.56
